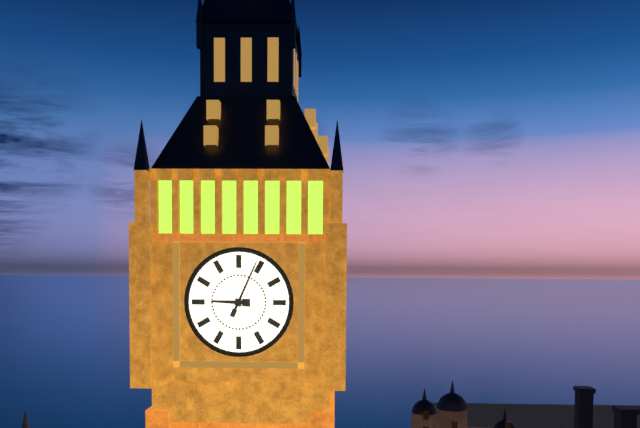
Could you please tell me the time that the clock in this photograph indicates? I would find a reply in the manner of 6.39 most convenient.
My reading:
9.04
